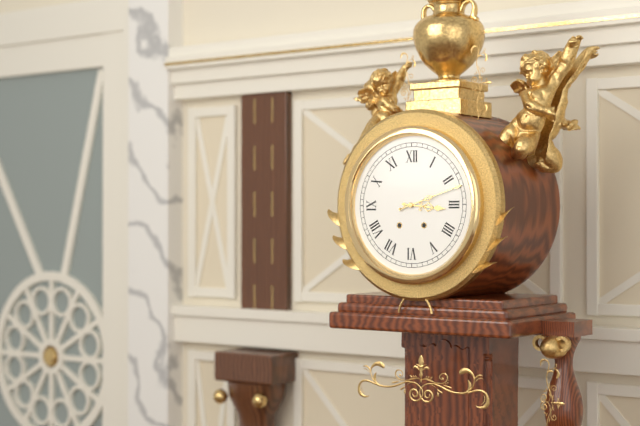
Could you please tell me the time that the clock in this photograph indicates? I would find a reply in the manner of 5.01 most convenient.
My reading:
3.12
